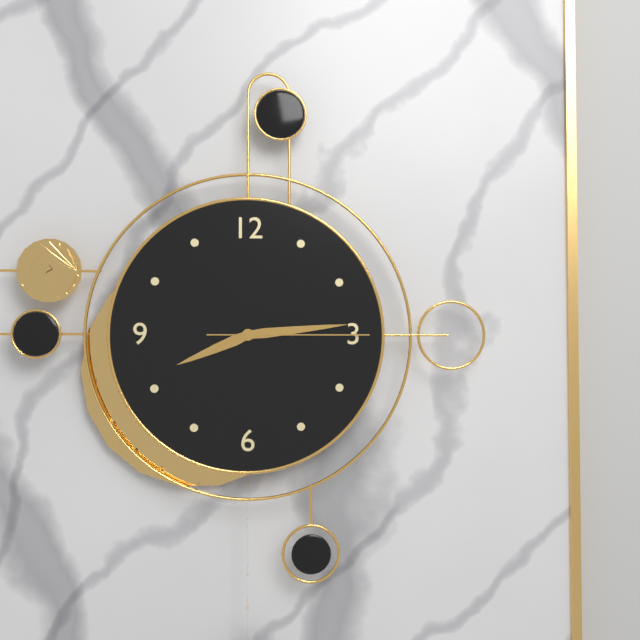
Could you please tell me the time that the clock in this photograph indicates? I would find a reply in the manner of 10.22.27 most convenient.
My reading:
8.14.15
